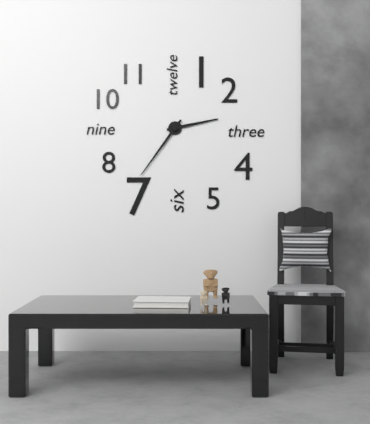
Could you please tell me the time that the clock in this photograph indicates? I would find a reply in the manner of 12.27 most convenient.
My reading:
2.36
